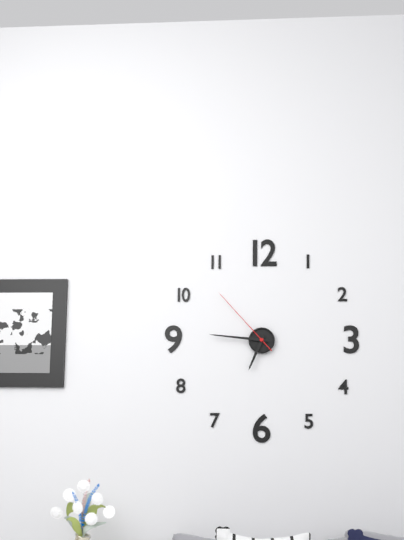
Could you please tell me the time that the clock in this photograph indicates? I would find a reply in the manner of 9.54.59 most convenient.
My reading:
6.46.53
